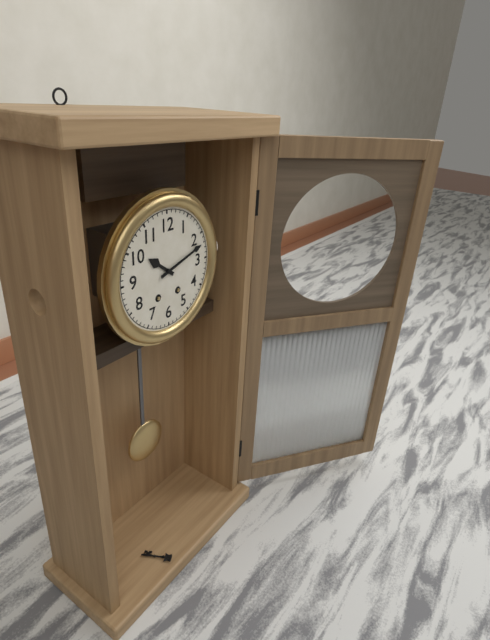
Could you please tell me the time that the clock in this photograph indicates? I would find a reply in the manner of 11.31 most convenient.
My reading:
10.12
